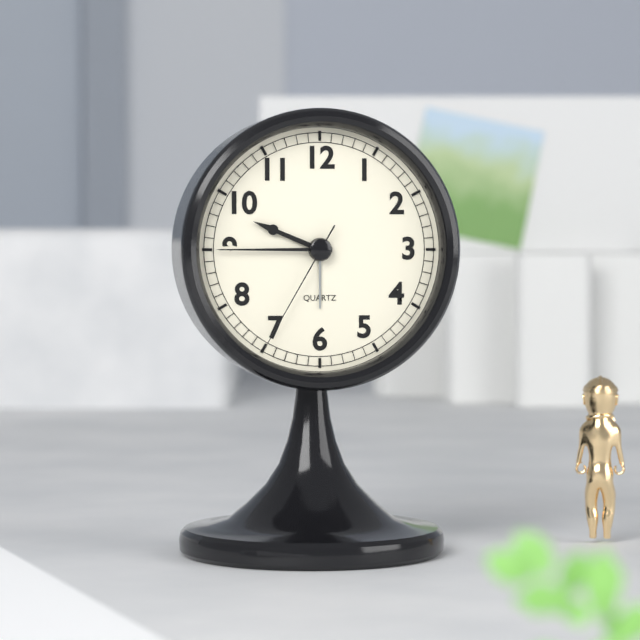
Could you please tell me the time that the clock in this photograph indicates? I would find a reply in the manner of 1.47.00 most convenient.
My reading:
9.45.35
